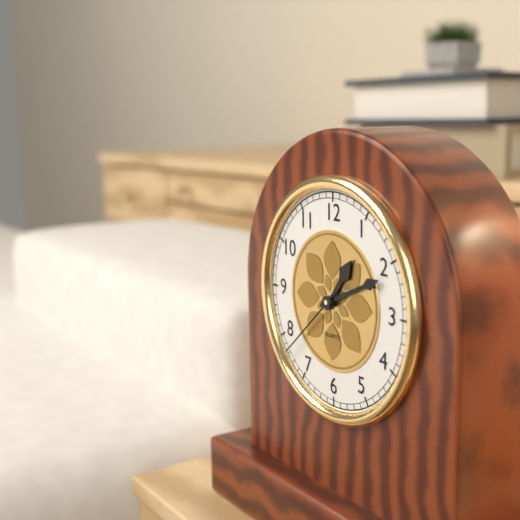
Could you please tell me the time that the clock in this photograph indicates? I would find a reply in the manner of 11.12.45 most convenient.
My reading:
1.11.38
